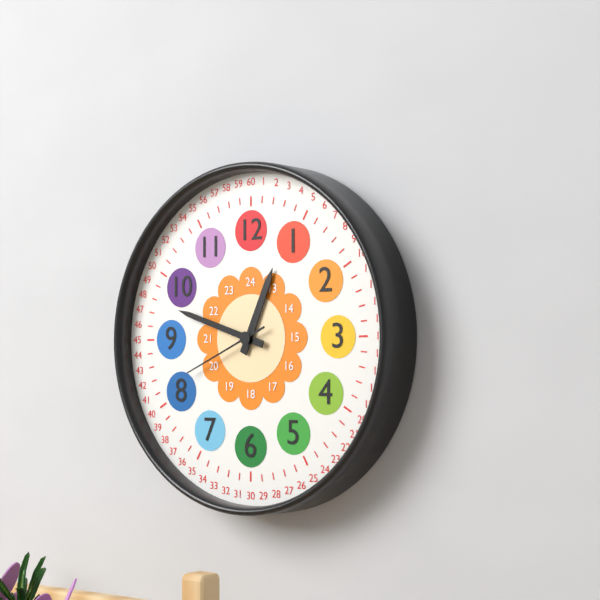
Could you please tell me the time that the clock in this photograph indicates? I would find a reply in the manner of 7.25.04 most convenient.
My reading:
12.48.41
